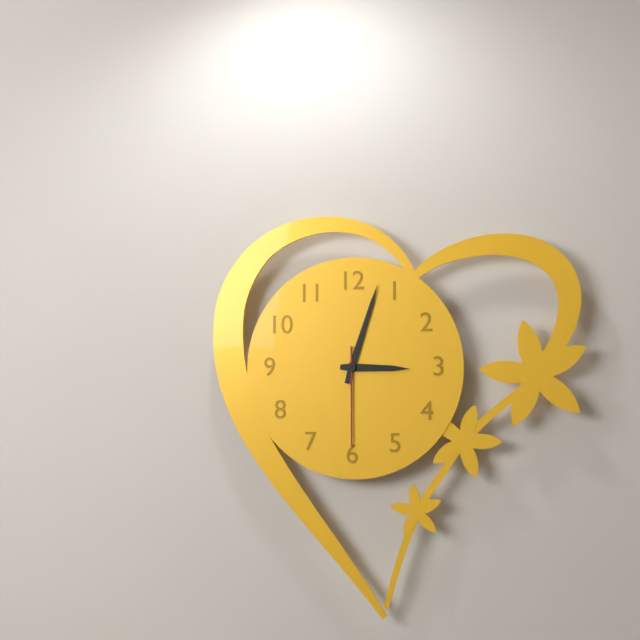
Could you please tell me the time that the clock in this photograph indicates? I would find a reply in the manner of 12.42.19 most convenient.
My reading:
3.03.30
